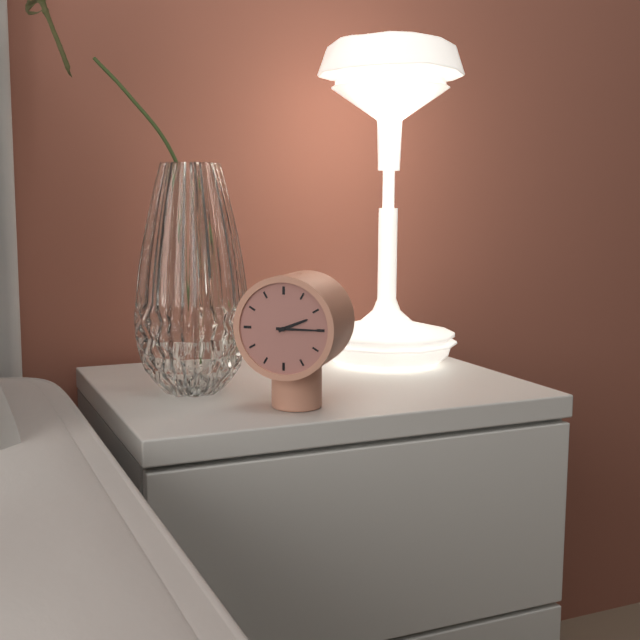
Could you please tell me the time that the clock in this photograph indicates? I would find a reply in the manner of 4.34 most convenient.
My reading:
2.15
